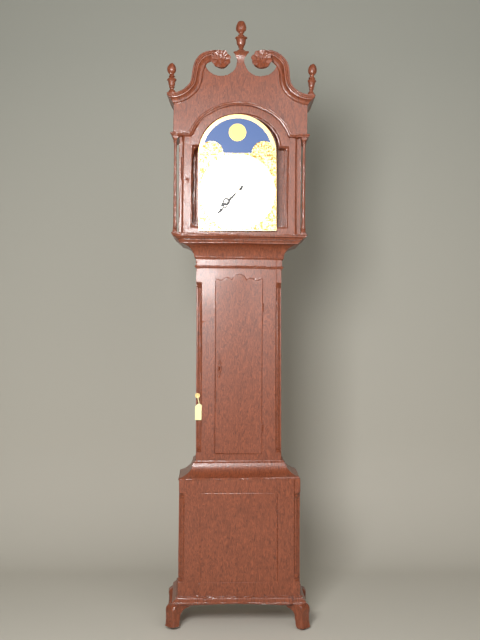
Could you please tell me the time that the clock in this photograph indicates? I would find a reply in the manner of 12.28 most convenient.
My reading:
7.37
